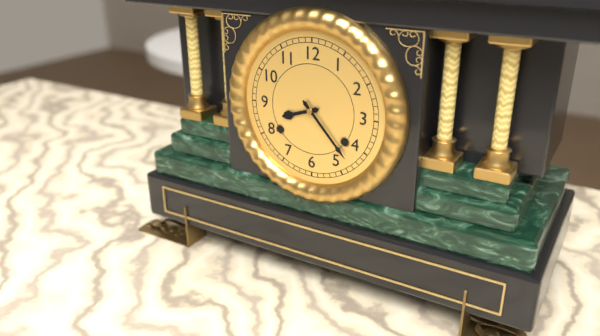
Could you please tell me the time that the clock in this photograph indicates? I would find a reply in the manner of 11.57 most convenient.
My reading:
8.23
